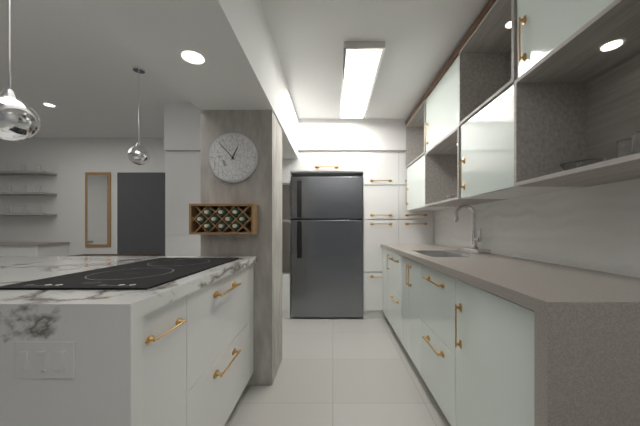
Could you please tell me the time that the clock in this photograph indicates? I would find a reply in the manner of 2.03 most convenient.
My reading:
12.53
